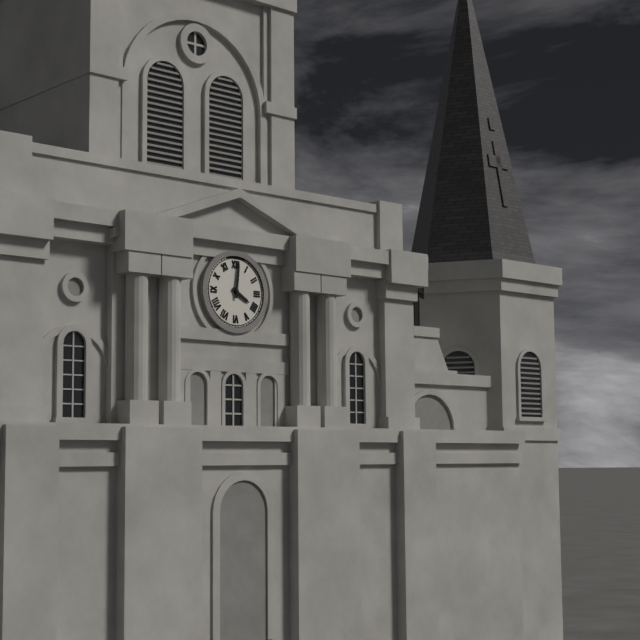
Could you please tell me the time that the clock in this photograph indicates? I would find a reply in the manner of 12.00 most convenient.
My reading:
4.01
